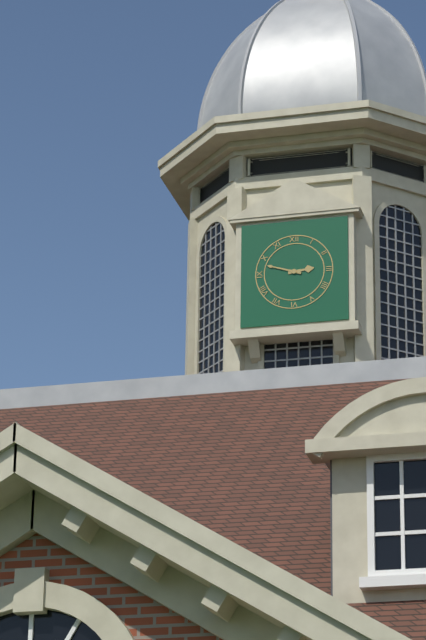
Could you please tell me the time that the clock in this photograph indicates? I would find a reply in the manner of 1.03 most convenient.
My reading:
2.48
